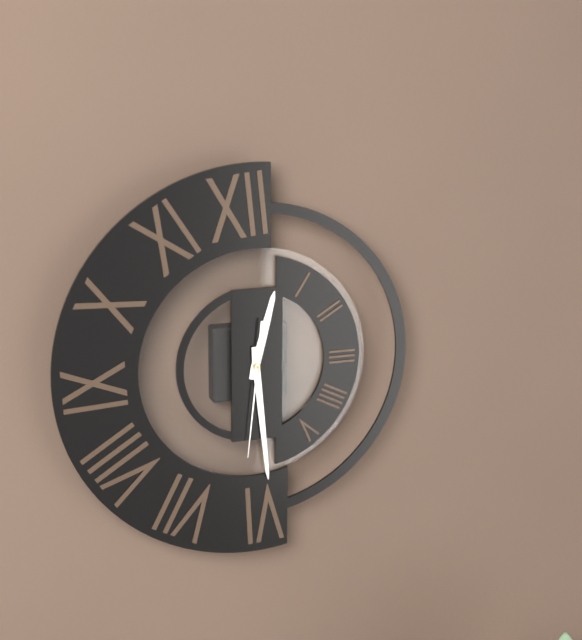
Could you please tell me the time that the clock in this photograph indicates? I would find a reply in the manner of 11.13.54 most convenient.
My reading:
12.29.31
